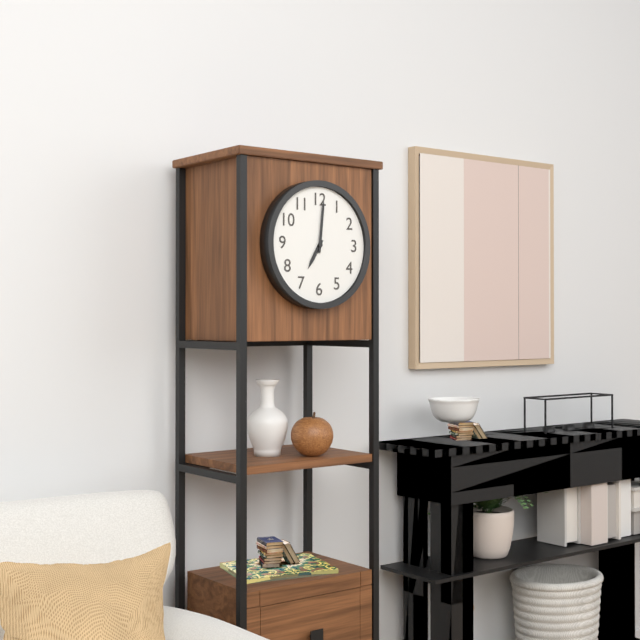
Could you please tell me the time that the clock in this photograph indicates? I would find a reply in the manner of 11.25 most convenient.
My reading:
7.01
